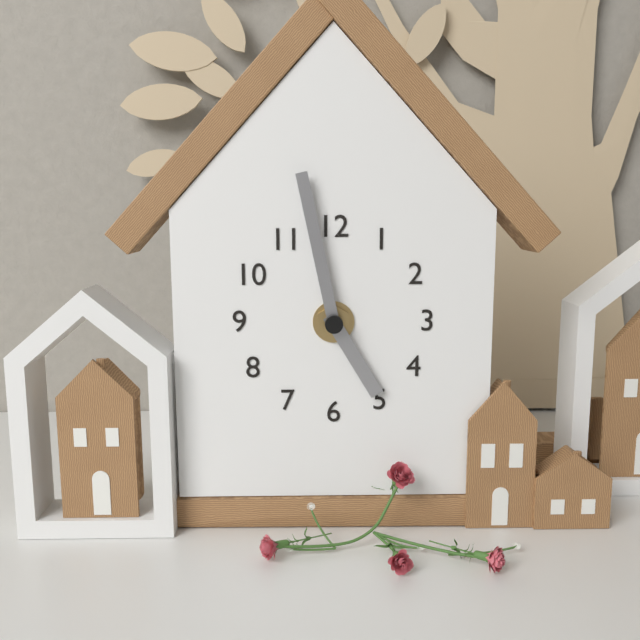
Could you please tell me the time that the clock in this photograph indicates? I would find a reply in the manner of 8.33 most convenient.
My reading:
4.58
